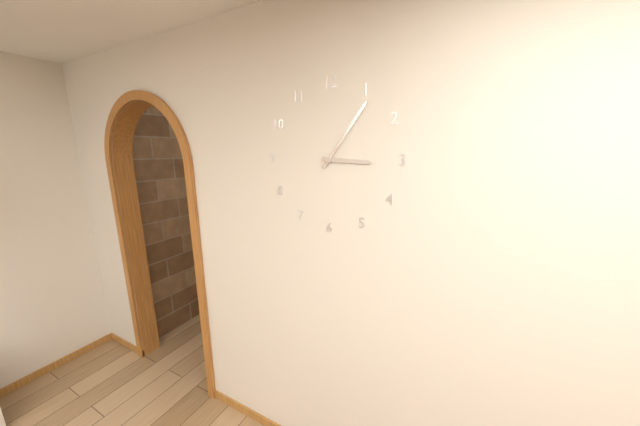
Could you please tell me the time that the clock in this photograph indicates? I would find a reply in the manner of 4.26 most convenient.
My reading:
3.06
